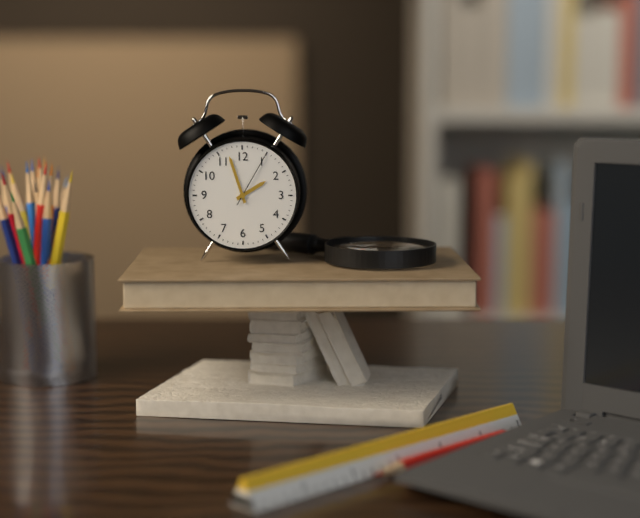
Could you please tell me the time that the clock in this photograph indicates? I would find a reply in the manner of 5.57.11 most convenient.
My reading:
1.57.05
